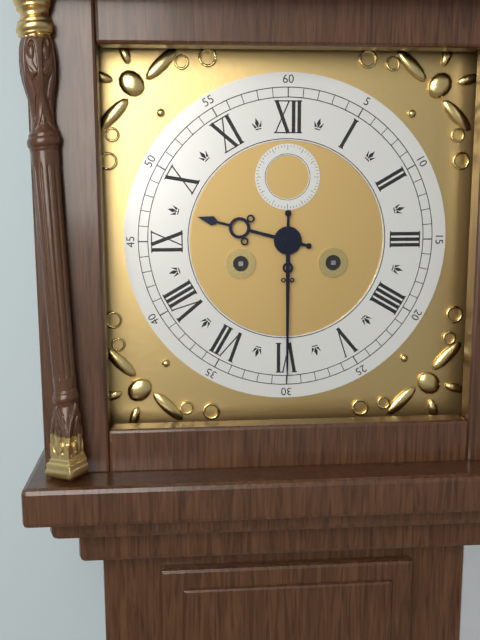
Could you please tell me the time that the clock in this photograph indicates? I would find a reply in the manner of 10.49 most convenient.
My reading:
9.30
